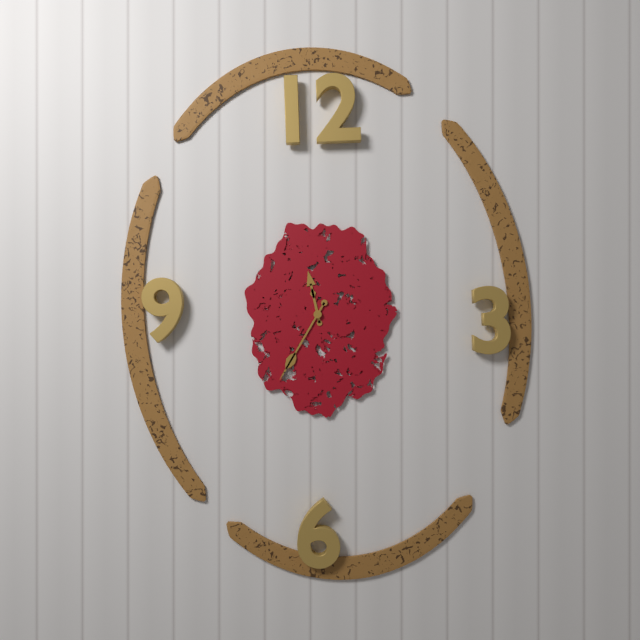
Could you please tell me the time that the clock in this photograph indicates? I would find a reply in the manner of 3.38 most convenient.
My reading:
11.35
